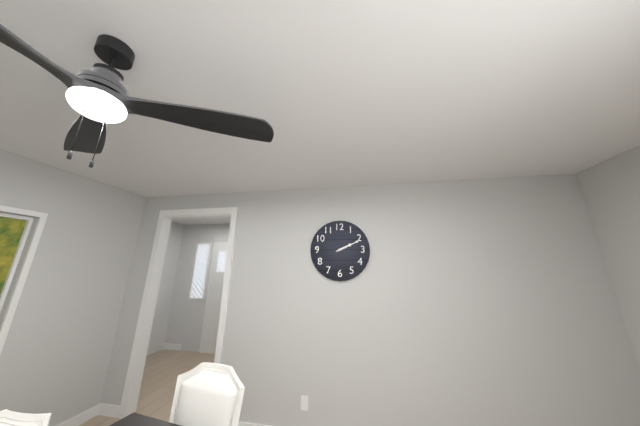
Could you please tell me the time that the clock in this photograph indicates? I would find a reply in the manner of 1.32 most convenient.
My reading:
2.11
